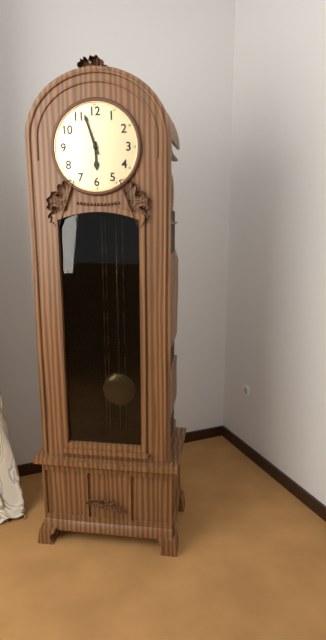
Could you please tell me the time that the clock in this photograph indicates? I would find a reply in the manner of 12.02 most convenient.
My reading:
5.57
